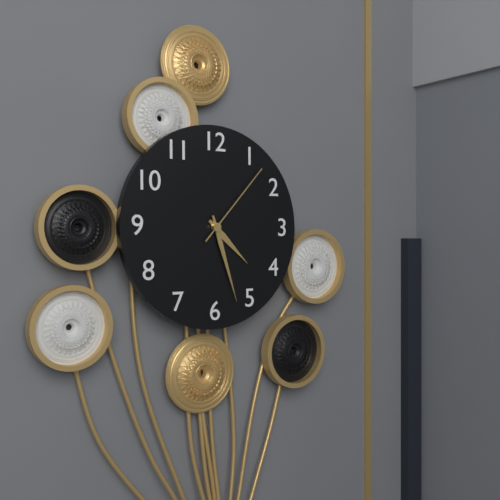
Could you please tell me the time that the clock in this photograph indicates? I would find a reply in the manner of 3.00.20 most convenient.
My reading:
4.27.07
